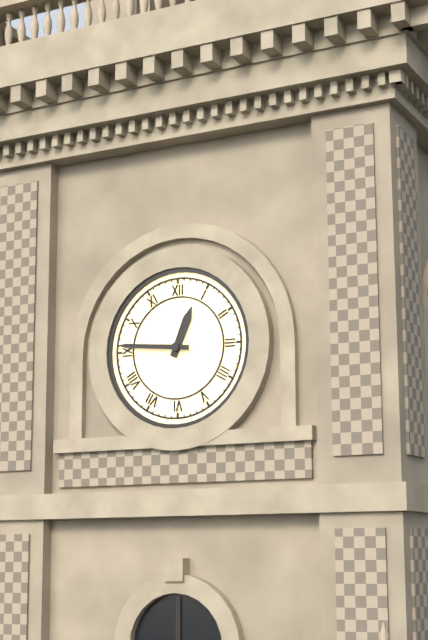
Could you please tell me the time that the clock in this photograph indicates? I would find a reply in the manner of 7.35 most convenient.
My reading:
12.46
